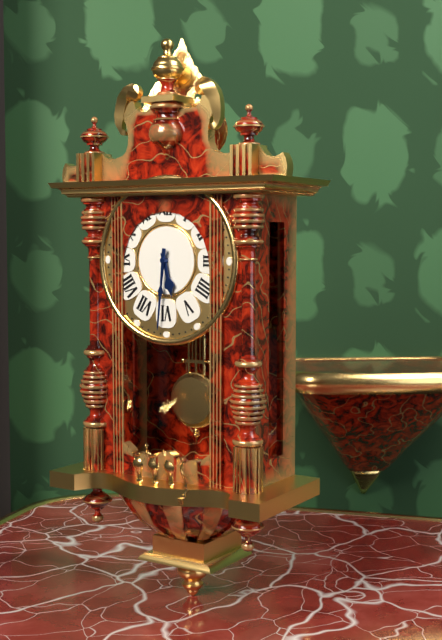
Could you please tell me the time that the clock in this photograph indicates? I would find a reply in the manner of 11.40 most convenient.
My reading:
5.31
